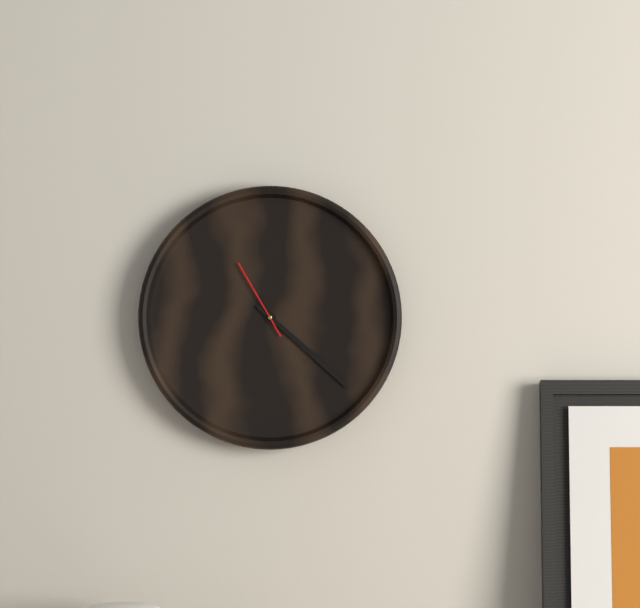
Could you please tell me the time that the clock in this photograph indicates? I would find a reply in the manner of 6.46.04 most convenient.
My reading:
4.22.55
